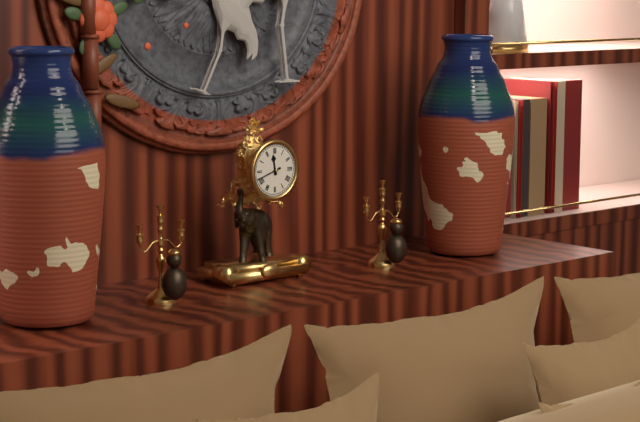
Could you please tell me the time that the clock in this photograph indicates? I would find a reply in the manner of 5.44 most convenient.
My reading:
11.42
